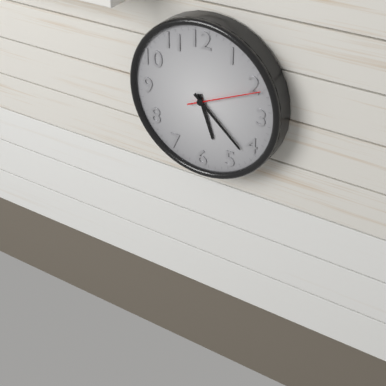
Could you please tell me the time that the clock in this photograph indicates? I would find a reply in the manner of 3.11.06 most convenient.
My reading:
5.22.11
